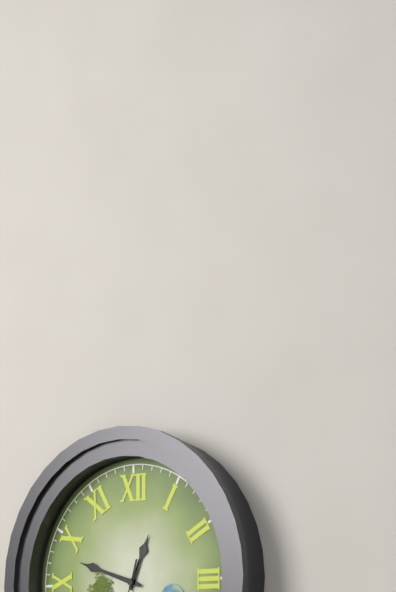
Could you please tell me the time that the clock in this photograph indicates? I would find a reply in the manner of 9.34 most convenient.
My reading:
12.48
